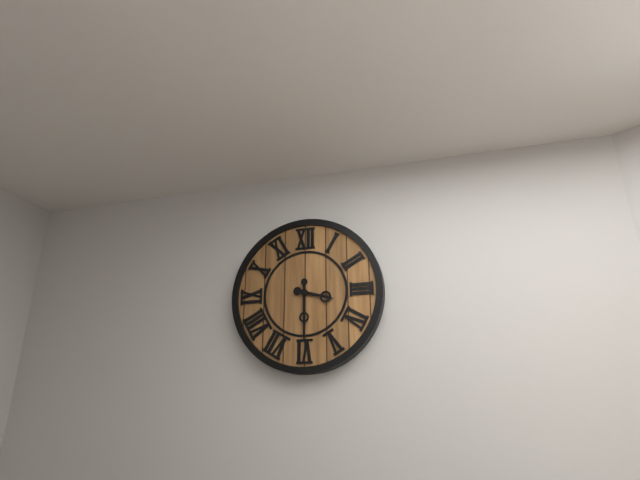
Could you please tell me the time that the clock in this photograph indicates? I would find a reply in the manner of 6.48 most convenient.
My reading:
3.30
